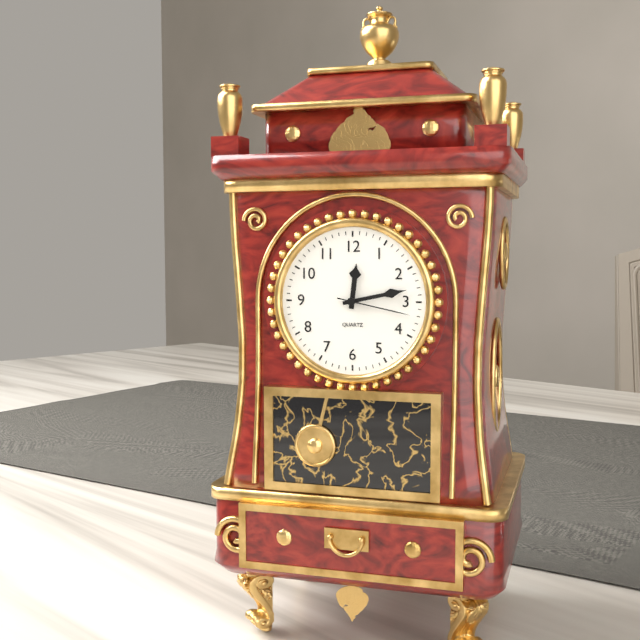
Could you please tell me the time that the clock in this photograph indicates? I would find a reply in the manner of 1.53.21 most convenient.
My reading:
12.13.17
